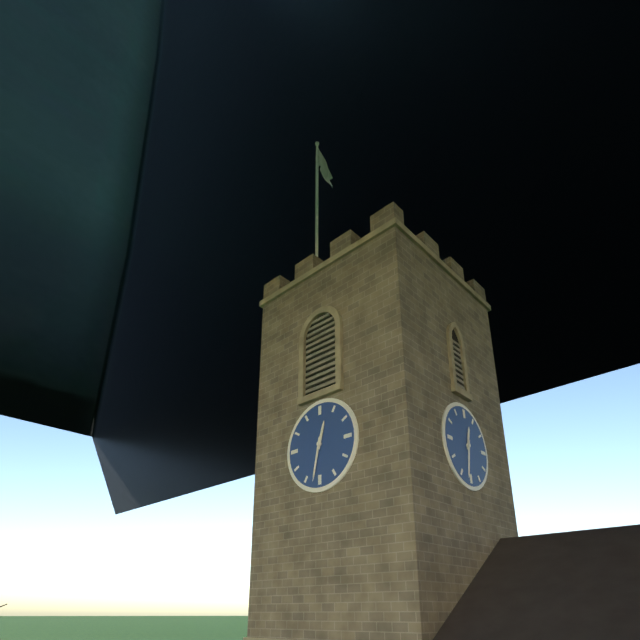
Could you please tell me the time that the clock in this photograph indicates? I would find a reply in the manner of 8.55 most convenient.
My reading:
12.32
